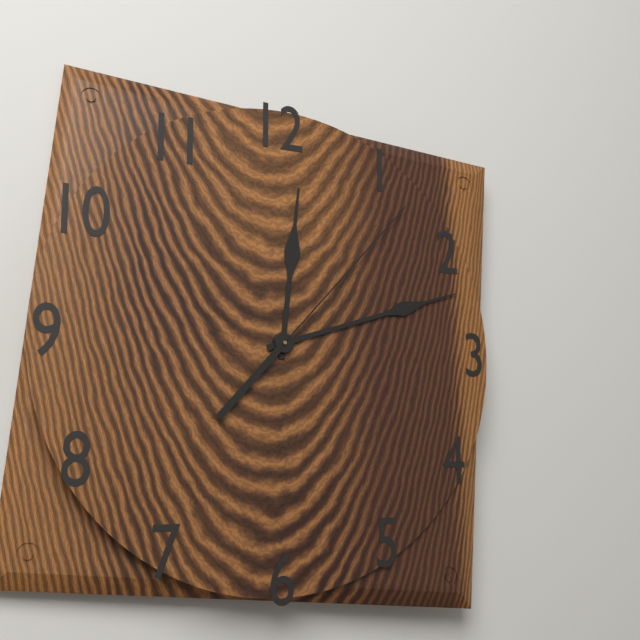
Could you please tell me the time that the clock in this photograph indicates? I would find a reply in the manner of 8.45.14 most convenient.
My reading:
12.12.07
